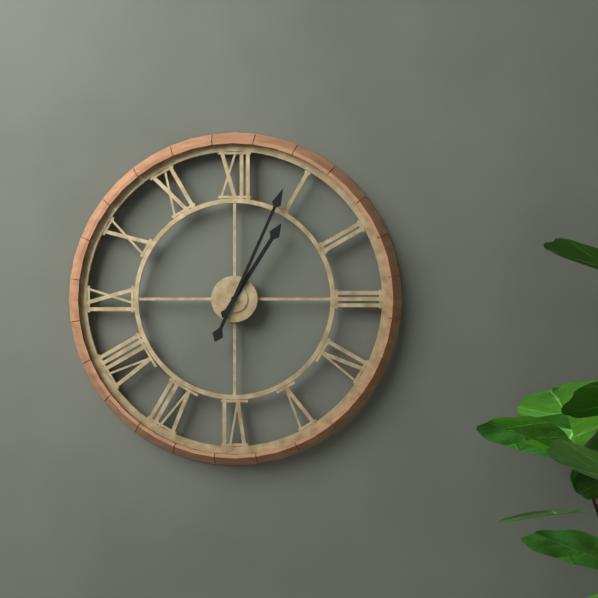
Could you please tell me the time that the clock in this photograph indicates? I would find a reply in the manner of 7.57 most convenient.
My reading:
1.04
